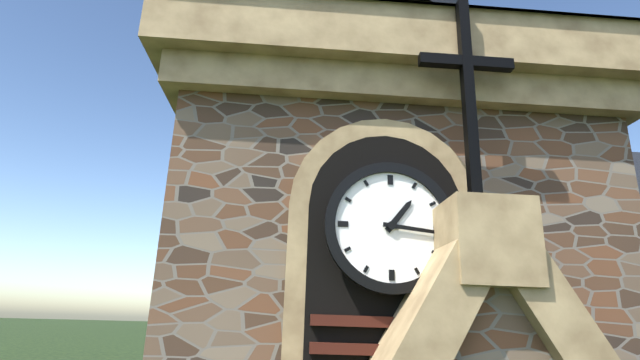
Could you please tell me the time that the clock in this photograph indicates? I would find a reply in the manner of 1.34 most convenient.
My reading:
1.16
